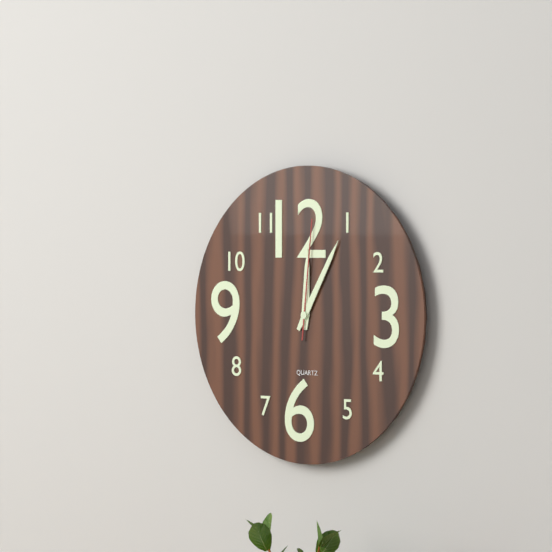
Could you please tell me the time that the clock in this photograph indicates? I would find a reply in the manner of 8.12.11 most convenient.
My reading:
12.05.01
